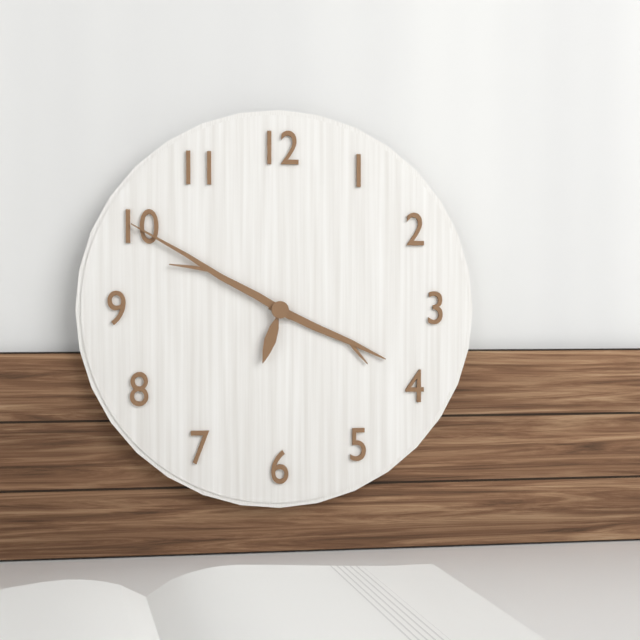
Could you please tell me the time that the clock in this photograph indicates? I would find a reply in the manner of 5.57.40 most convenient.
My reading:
3.50.33
